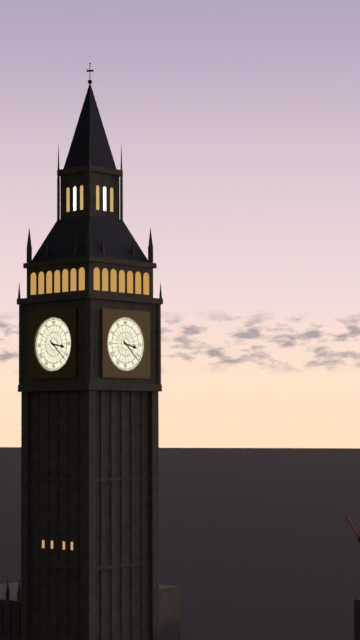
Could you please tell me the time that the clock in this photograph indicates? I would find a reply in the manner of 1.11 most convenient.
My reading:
3.22
